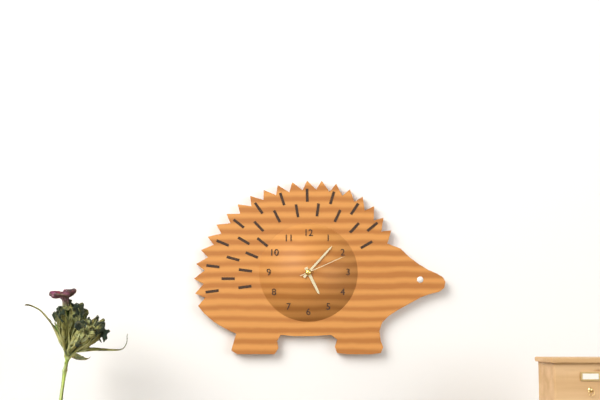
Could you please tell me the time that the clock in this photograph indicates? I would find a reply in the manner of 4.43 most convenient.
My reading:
5.07
